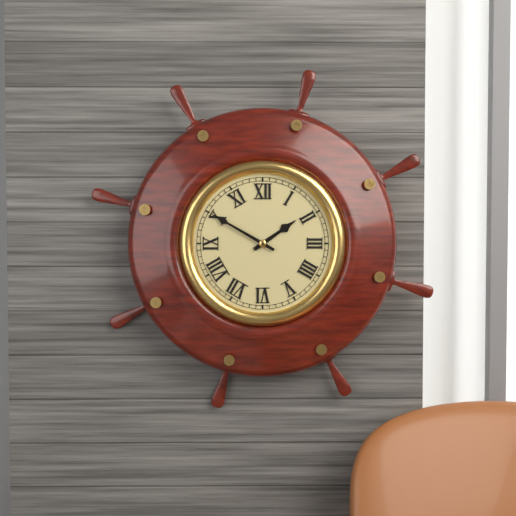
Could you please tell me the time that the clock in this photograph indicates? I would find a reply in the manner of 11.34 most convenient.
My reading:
1.50
